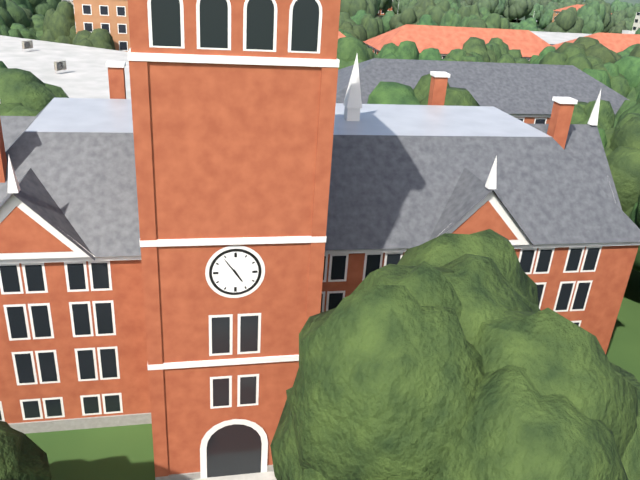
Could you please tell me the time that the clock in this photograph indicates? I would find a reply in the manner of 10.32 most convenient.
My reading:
4.54
